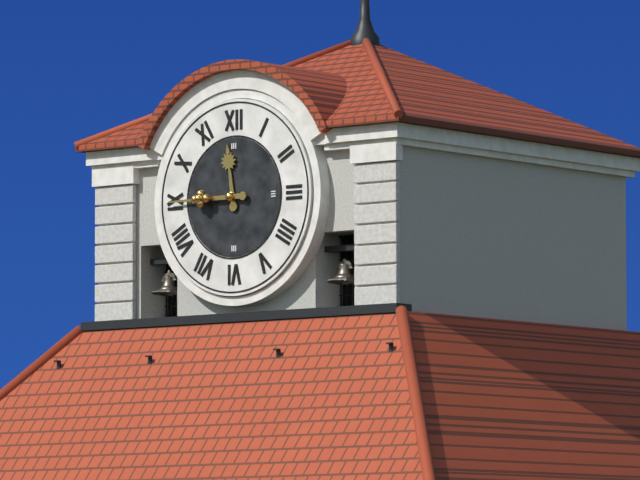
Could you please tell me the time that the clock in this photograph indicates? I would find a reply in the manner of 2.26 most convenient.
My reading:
11.45
